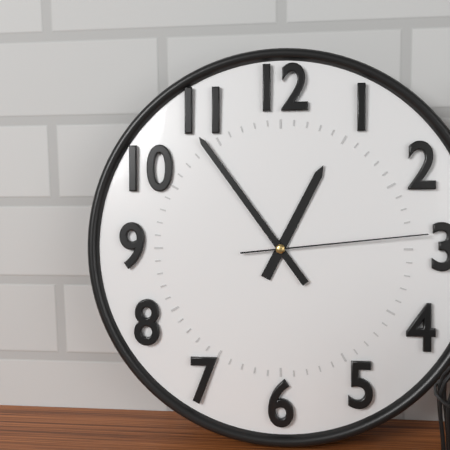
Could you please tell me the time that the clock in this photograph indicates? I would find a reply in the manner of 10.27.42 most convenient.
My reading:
12.54.14
